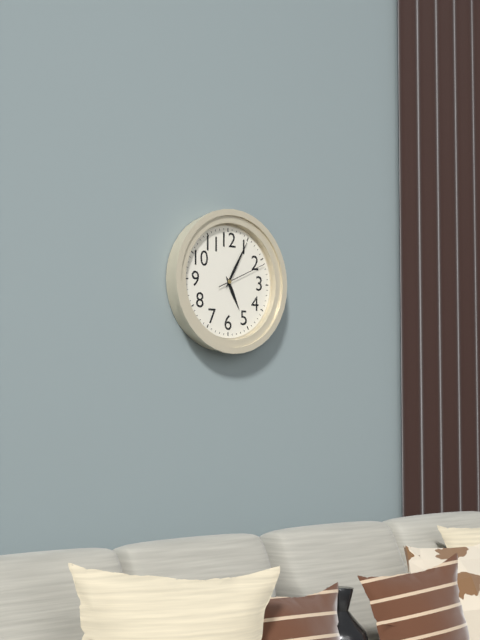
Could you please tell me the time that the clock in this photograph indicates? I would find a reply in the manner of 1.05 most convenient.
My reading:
5.05
